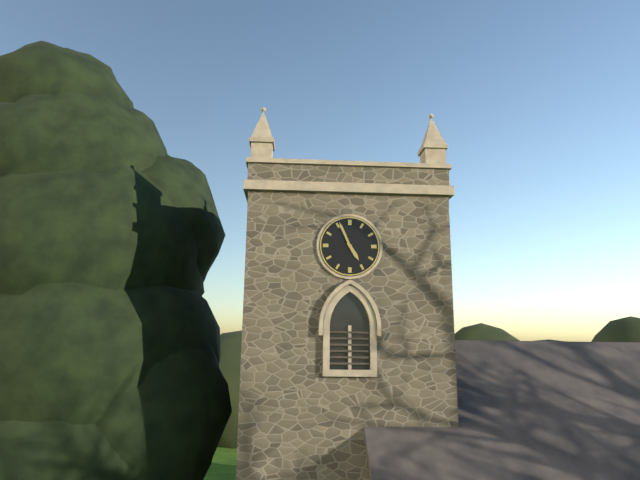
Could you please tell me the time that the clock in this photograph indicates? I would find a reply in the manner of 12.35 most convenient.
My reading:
4.56
